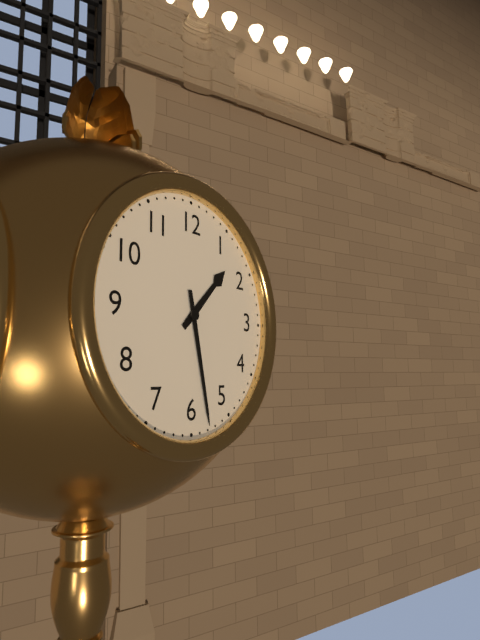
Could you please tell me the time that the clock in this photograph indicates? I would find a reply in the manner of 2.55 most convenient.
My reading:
1.28
